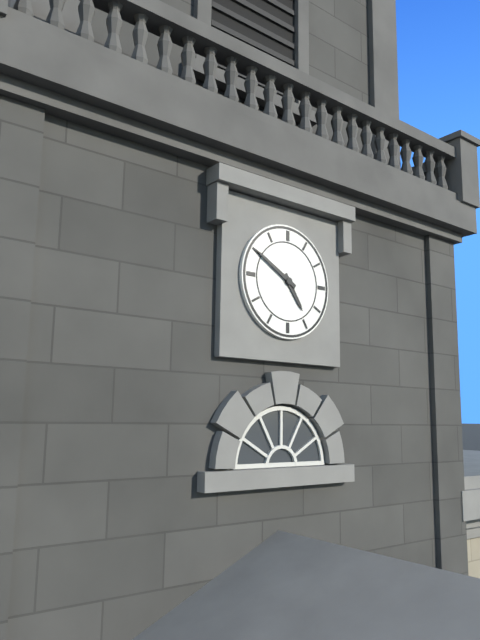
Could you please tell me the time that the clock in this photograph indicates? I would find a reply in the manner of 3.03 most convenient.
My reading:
4.50
